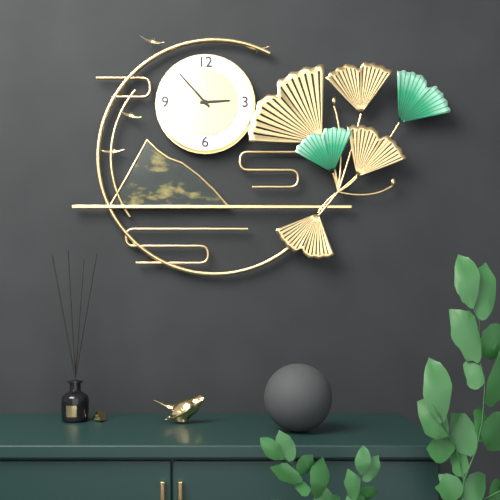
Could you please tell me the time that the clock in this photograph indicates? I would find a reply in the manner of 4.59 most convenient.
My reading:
2.53
